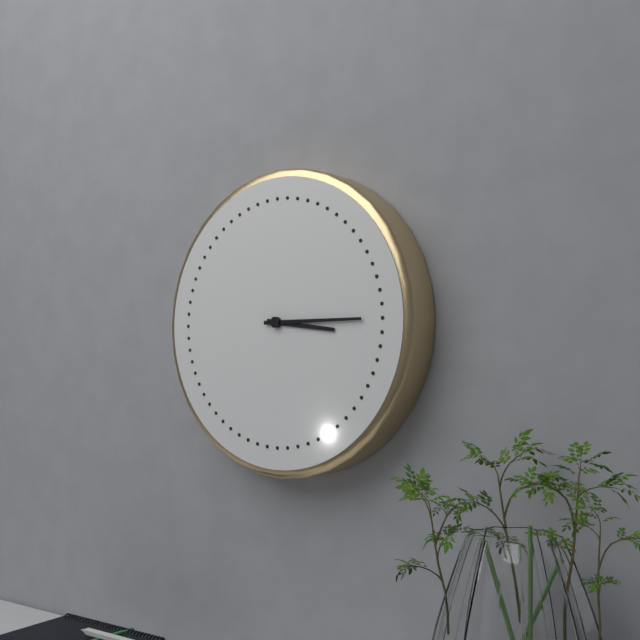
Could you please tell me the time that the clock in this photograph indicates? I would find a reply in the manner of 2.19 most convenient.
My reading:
3.15
